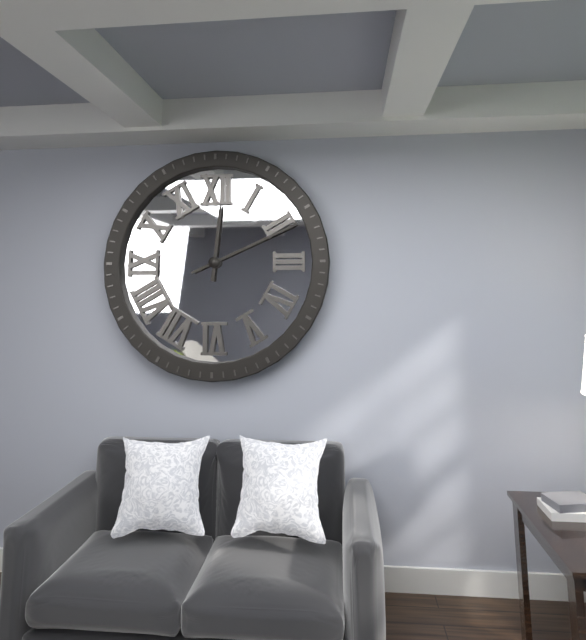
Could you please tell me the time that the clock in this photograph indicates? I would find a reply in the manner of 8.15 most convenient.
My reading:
12.11
